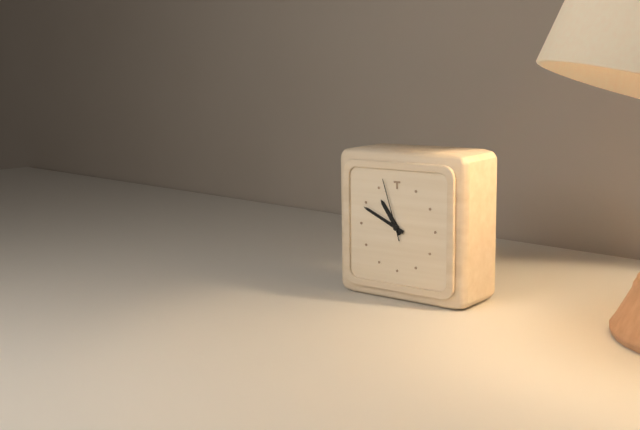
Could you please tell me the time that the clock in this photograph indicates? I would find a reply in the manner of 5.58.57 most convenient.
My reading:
10.49.57
